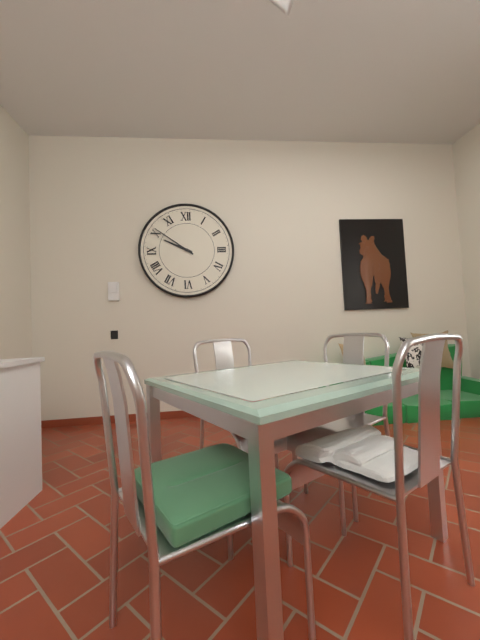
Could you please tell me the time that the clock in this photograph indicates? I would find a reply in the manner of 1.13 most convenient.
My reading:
9.51
